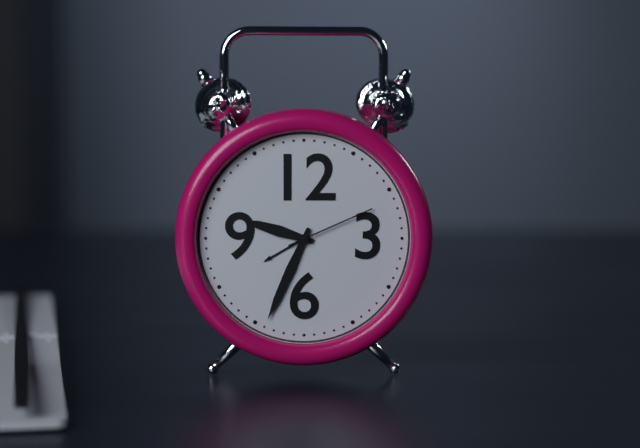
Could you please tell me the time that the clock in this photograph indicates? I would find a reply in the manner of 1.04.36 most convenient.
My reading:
9.34.11
